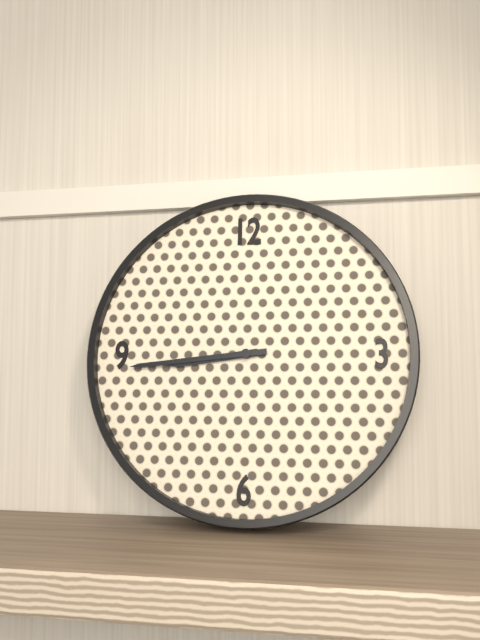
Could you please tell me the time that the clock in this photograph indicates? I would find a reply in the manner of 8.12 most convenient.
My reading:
8.44
